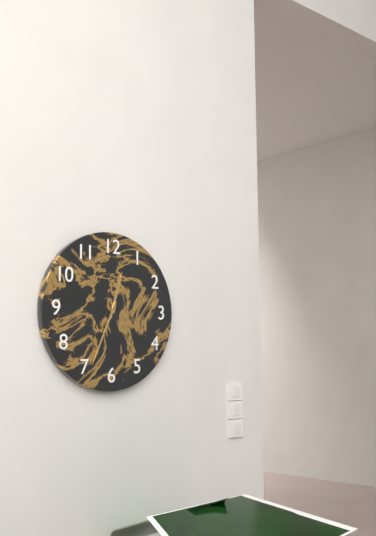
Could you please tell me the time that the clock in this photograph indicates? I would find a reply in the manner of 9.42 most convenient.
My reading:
12.34
